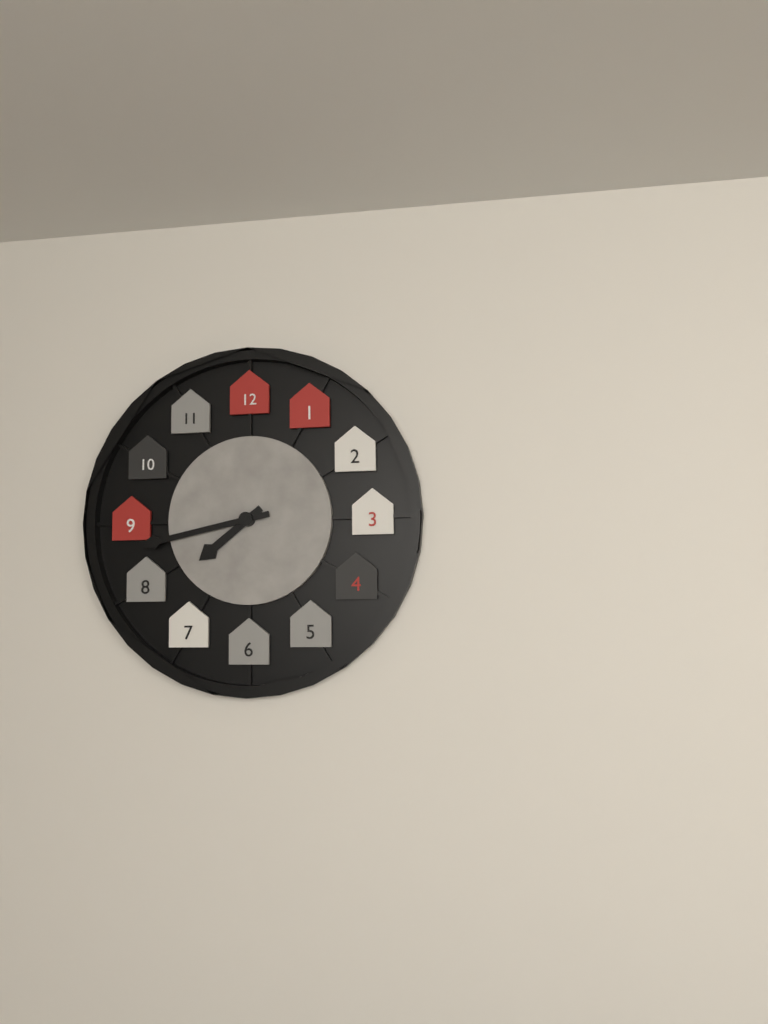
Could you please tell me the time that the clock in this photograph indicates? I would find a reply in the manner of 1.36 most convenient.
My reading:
7.43
